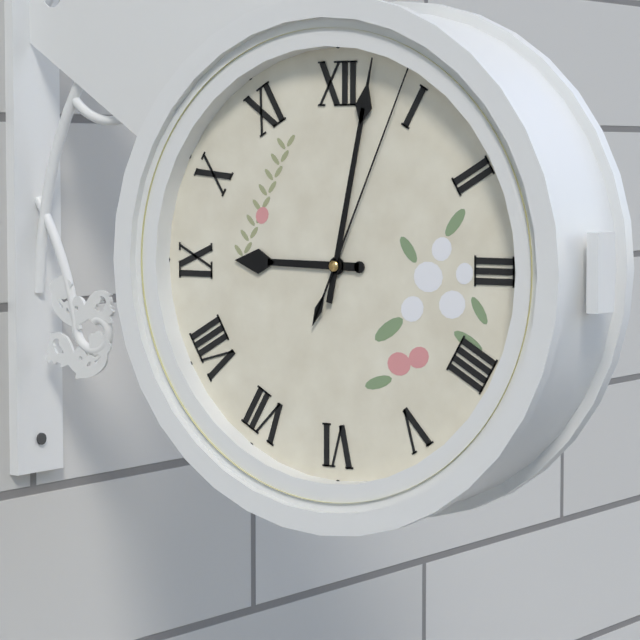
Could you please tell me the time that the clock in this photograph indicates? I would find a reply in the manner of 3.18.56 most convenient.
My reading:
9.02.04
